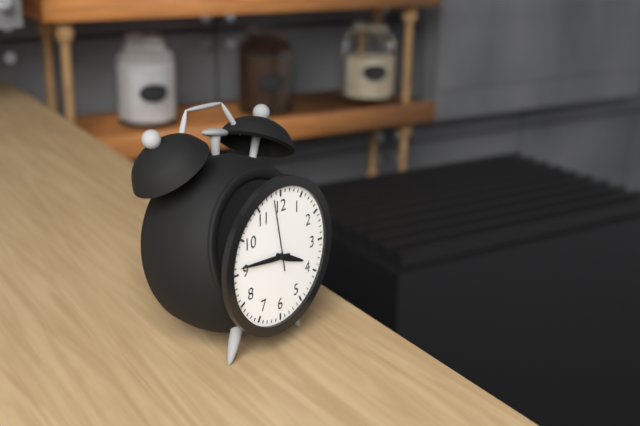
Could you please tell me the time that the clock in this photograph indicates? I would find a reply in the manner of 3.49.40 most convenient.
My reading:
3.46.58
